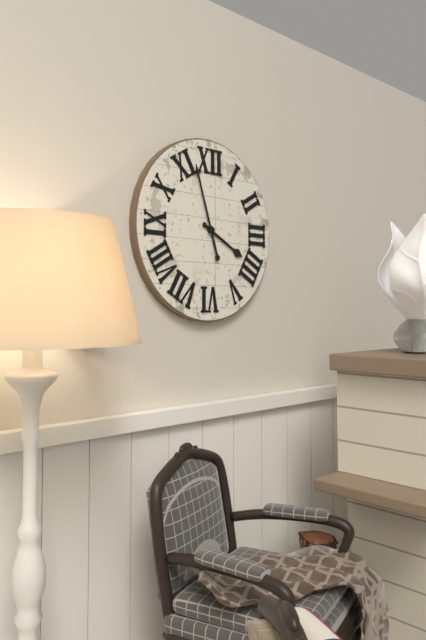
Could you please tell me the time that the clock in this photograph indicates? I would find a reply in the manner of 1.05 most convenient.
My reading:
3.57
